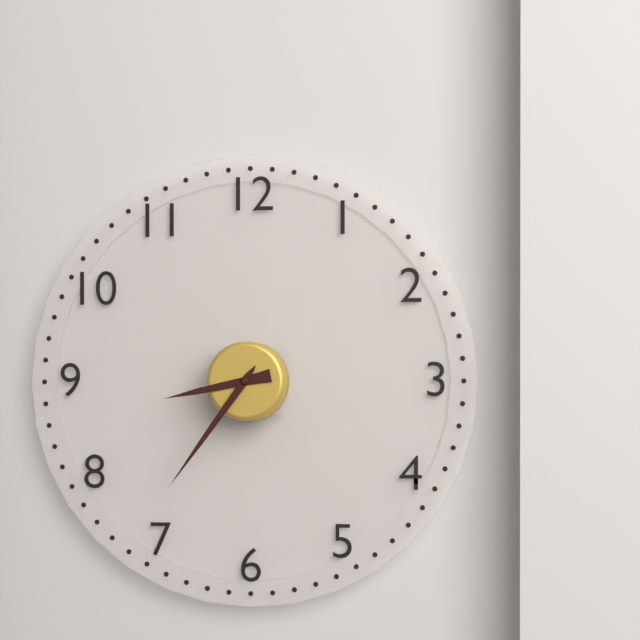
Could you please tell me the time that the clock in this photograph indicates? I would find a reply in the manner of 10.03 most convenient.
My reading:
8.36
